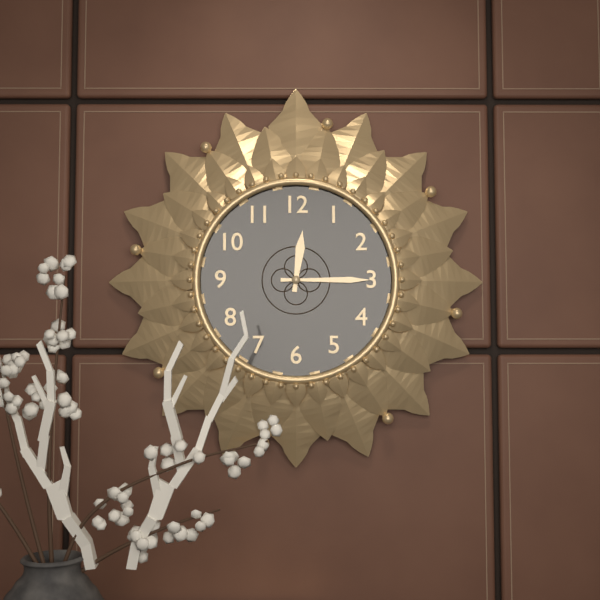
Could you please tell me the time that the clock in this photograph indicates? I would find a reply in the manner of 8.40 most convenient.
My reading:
12.15
